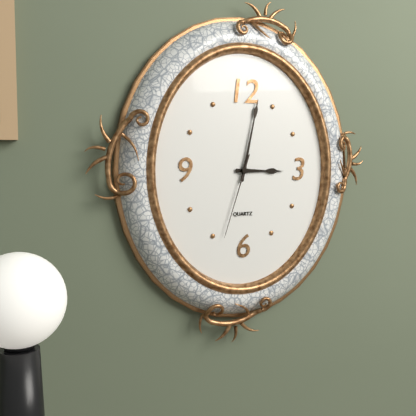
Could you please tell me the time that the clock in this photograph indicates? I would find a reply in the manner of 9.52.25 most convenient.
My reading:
3.02.33
